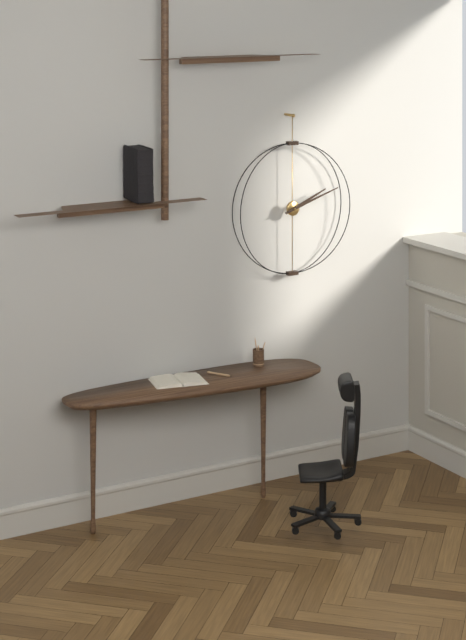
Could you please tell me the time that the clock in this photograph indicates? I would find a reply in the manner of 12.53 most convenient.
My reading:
2.12
